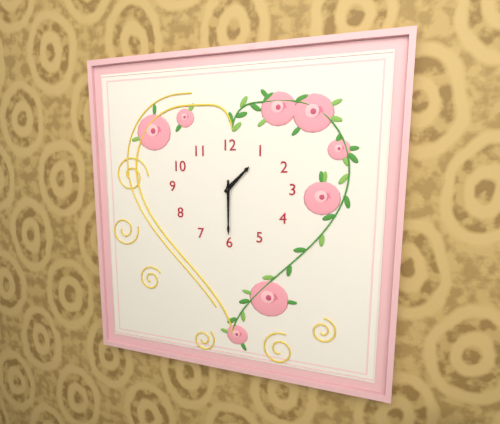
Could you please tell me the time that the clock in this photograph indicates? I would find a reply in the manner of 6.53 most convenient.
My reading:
1.30
